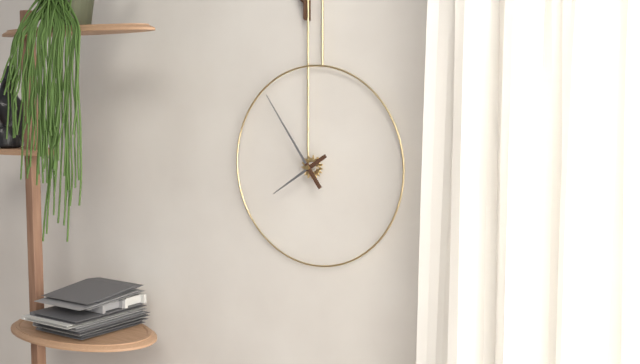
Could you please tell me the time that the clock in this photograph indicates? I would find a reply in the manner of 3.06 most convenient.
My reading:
7.54
